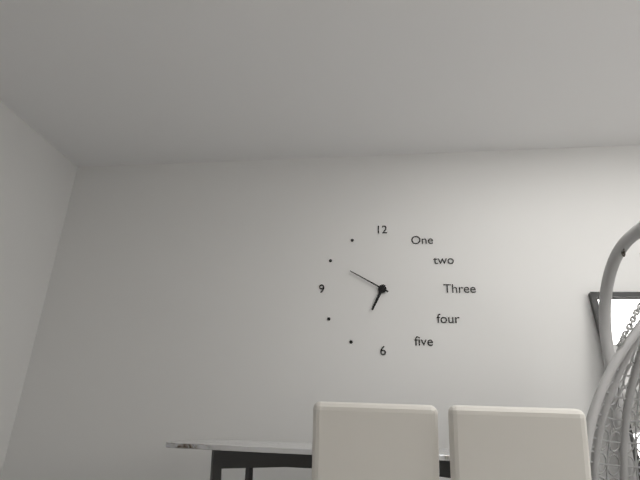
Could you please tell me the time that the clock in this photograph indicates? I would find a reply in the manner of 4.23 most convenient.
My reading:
6.50
